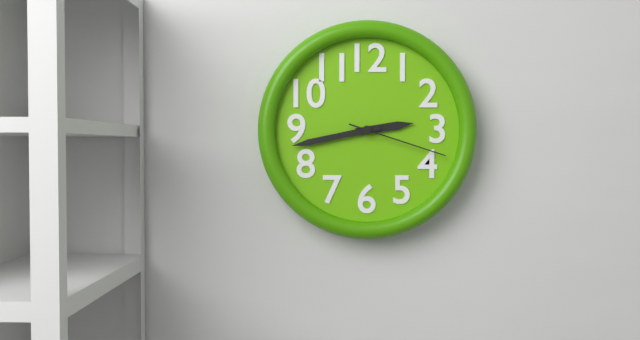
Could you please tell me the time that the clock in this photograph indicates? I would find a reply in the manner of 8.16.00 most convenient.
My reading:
2.43.18
